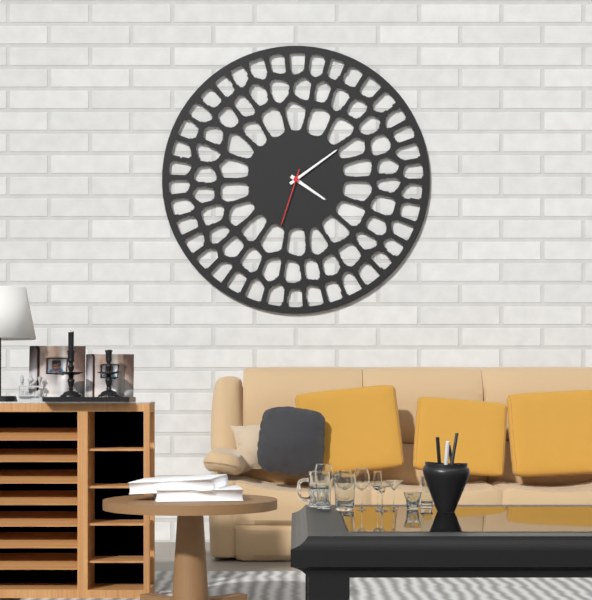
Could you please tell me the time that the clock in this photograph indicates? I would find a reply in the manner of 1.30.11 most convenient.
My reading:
4.09.33
